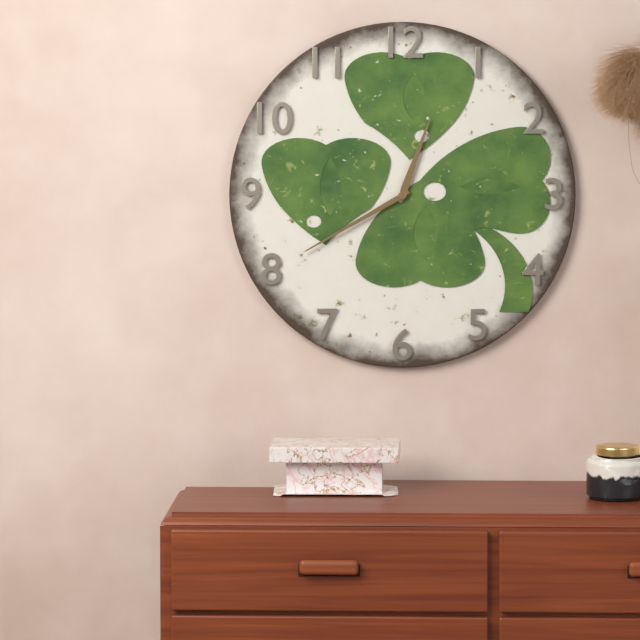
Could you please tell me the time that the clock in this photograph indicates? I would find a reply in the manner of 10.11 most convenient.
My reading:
12.40
